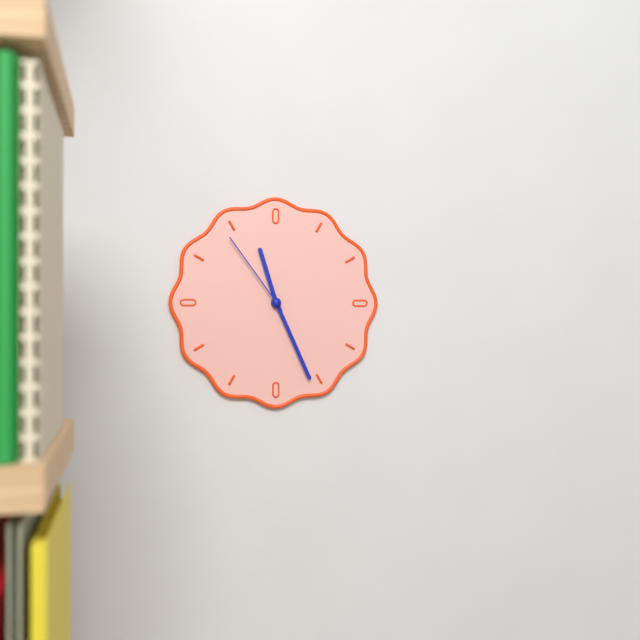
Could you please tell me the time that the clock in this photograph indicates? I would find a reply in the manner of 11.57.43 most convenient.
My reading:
11.26.54
